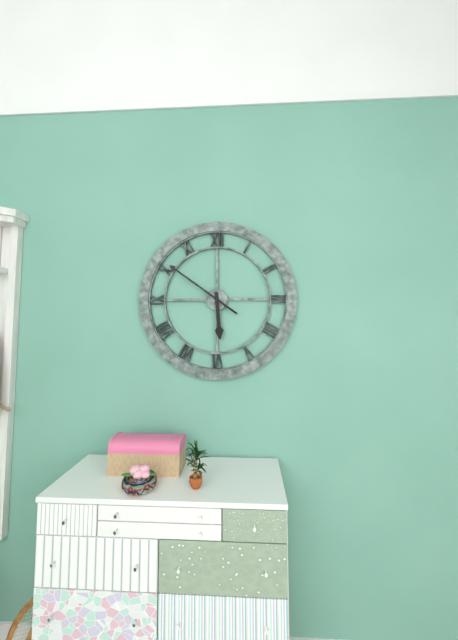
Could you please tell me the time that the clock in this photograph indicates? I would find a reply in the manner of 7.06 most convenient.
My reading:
5.51
